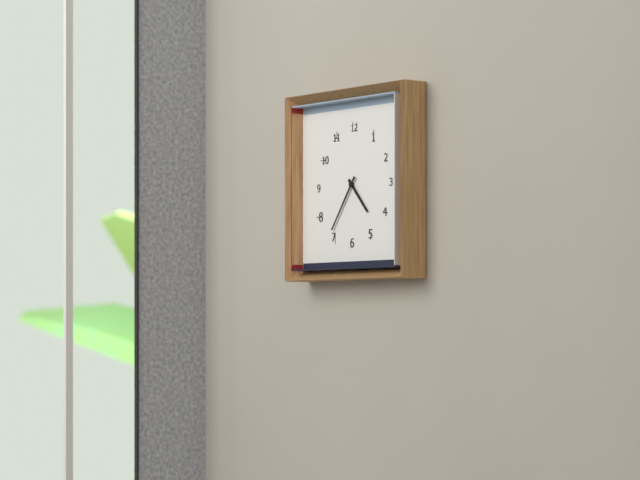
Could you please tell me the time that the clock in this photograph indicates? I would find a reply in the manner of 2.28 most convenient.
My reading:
4.36
